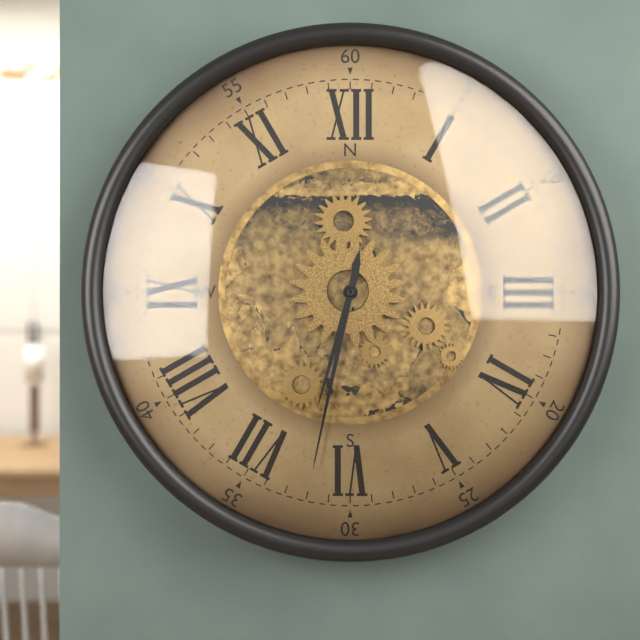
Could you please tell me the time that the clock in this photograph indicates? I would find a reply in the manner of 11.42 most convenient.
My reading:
6.32
